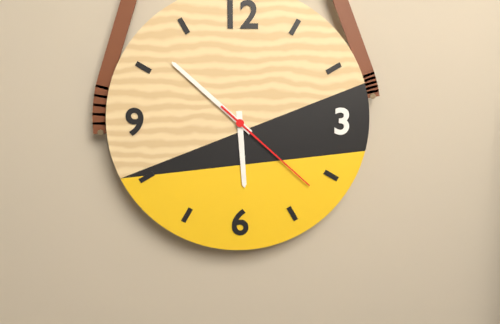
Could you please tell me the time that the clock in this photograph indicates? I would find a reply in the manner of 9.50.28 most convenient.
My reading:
5.52.22
